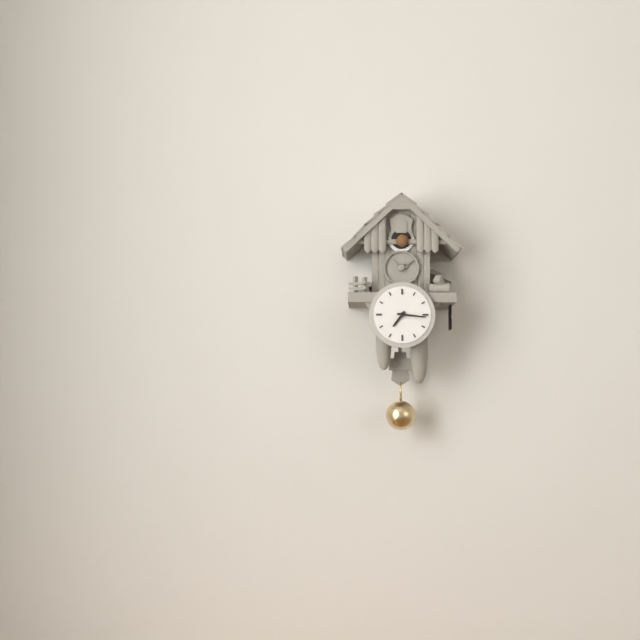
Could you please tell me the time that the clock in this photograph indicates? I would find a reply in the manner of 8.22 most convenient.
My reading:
7.16
